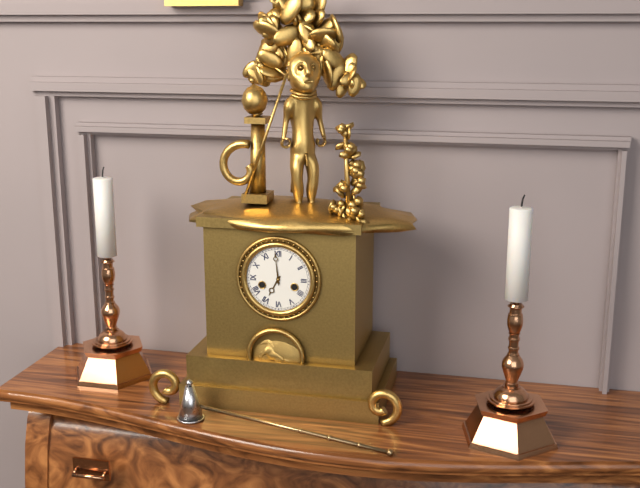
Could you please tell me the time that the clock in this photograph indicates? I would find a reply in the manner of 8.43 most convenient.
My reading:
6.59
